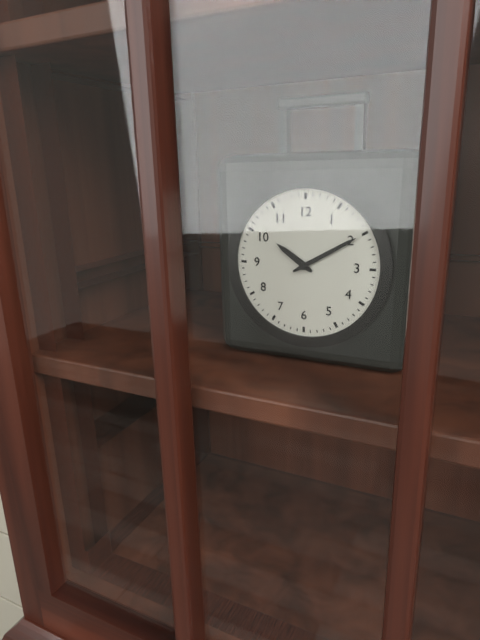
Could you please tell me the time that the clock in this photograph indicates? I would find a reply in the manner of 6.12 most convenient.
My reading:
10.10
